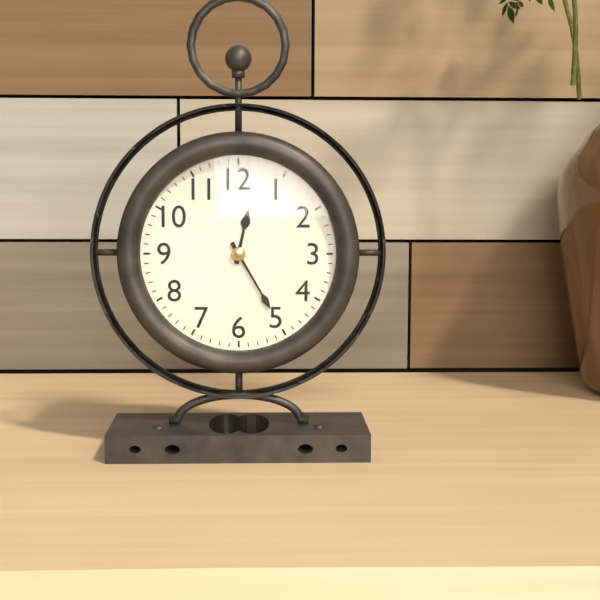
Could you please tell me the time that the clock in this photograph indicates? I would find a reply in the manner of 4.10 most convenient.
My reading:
12.25
